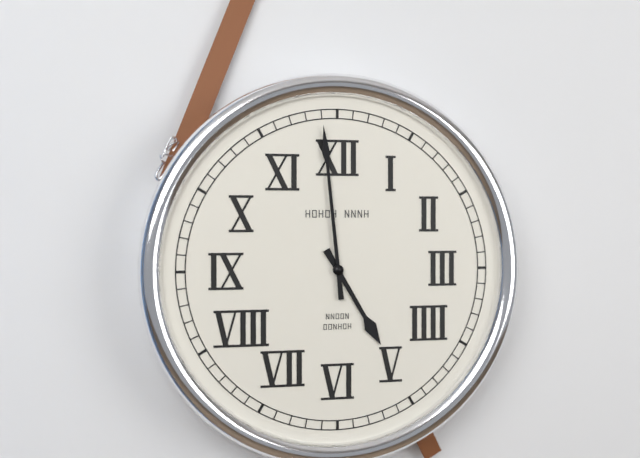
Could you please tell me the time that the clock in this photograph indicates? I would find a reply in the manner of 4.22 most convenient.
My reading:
4.59
